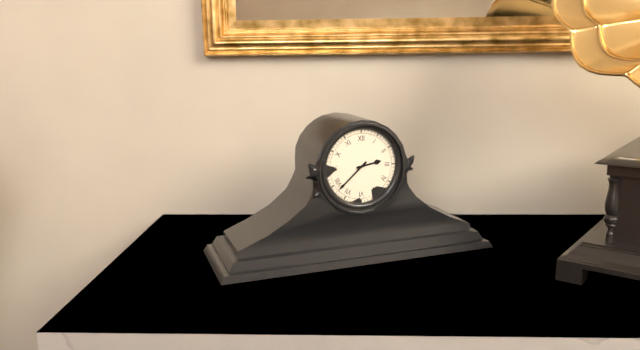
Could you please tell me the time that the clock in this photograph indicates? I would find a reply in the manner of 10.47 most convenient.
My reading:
2.38
